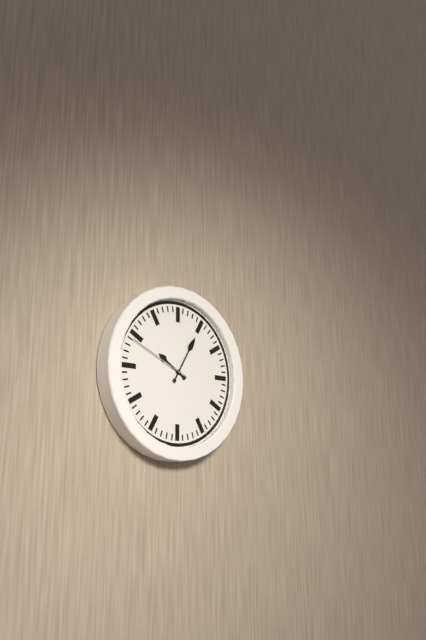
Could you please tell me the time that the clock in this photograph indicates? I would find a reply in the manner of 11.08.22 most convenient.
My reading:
10.05.49
